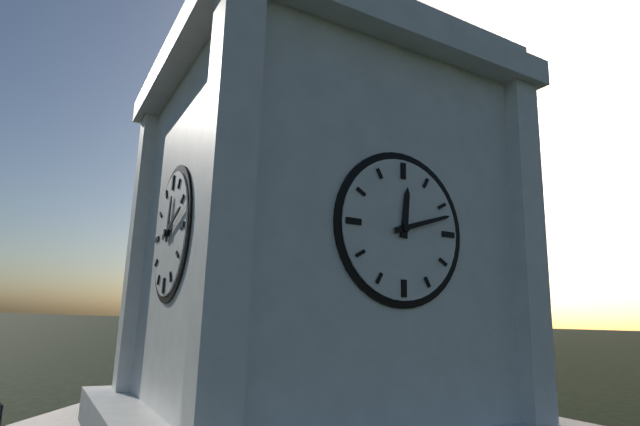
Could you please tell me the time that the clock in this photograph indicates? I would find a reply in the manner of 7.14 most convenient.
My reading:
12.12
